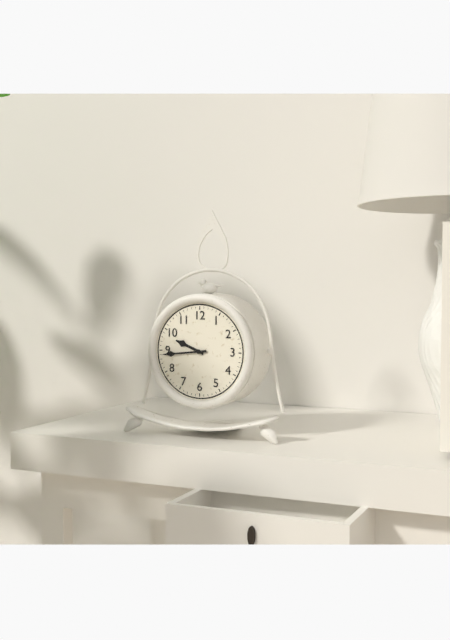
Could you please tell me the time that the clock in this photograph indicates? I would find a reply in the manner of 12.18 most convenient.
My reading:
9.44
